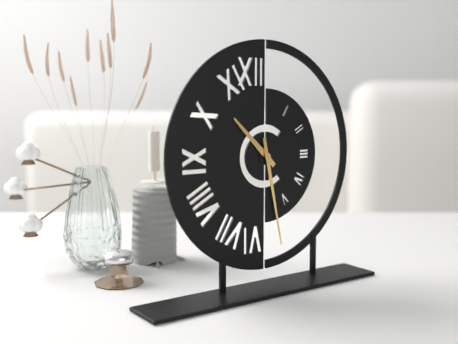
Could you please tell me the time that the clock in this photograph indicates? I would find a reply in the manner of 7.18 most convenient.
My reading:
10.28
